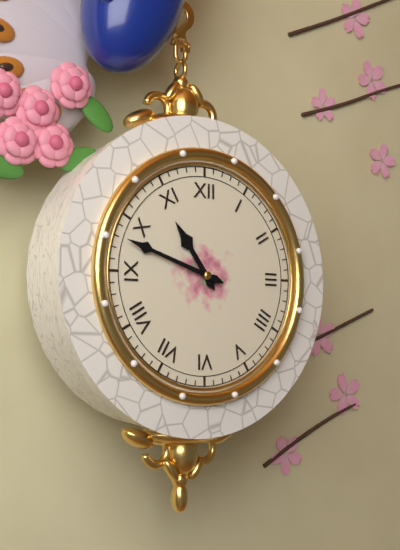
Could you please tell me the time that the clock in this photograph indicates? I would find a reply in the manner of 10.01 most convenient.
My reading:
10.48
